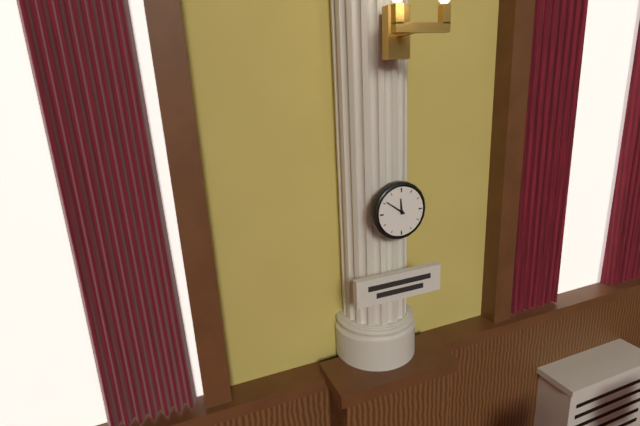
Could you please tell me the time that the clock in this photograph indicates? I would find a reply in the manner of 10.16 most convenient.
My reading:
11.51
